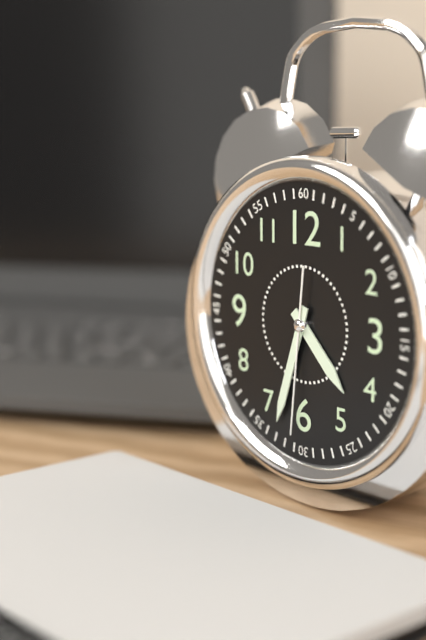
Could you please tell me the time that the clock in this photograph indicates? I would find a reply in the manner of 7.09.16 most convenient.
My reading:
4.33.31
